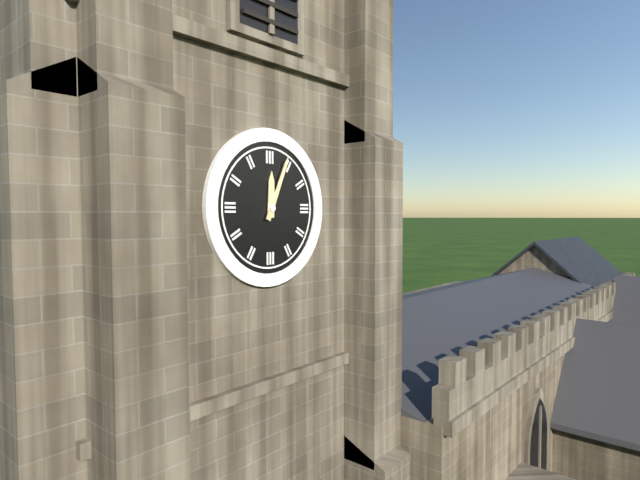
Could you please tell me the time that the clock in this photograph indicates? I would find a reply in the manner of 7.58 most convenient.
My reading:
12.04
